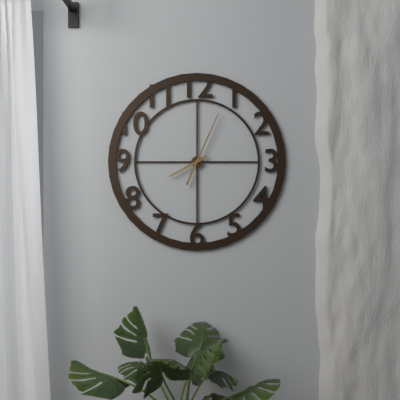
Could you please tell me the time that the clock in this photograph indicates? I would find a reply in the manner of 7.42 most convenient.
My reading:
8.04
